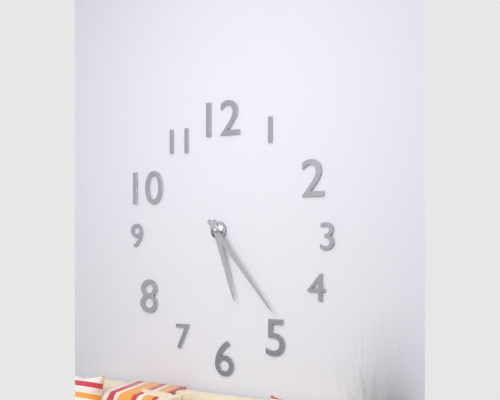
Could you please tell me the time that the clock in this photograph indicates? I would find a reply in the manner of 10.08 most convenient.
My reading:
5.23
